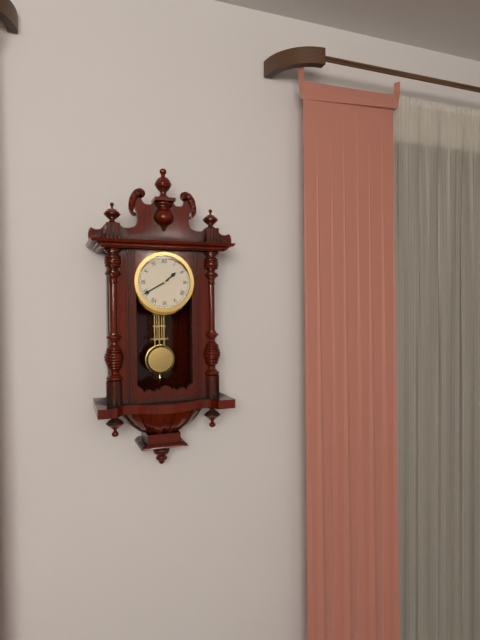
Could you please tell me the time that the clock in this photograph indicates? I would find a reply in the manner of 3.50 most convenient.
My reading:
1.40
